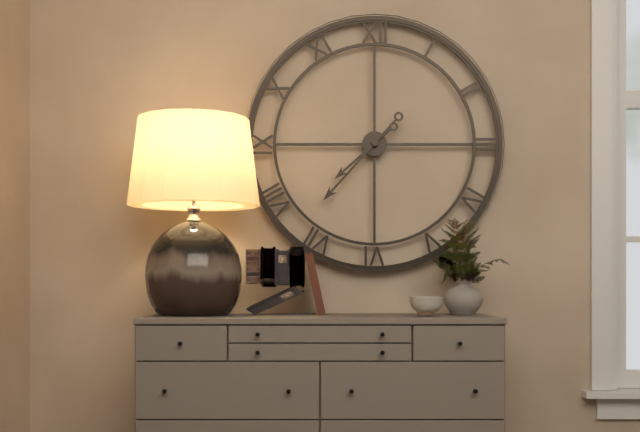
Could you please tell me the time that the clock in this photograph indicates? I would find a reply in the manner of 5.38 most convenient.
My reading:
7.37
